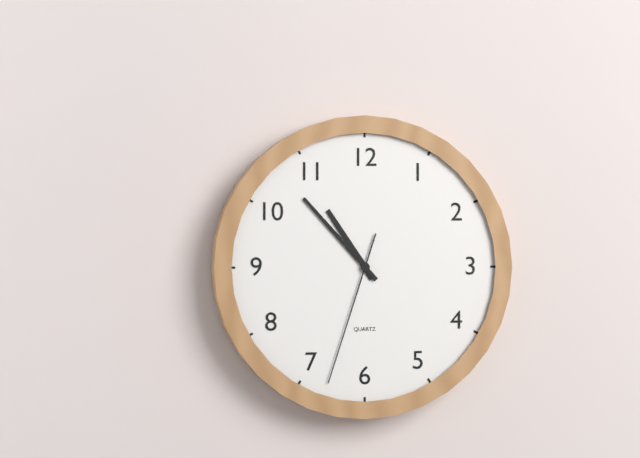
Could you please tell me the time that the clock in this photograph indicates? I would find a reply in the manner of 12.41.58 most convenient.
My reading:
10.53.33
